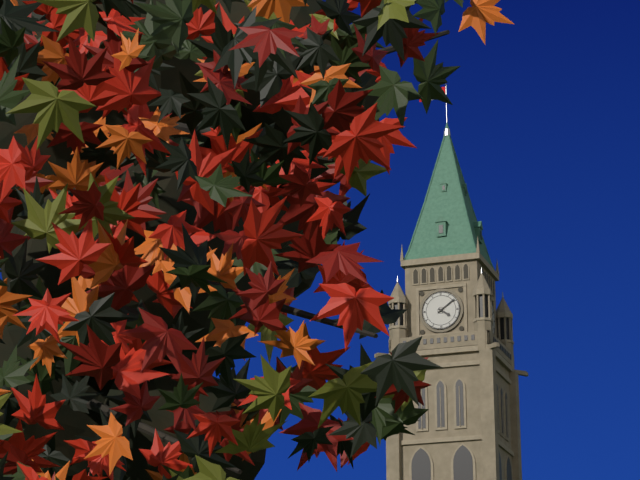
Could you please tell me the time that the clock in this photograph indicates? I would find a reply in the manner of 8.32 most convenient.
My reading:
4.09
